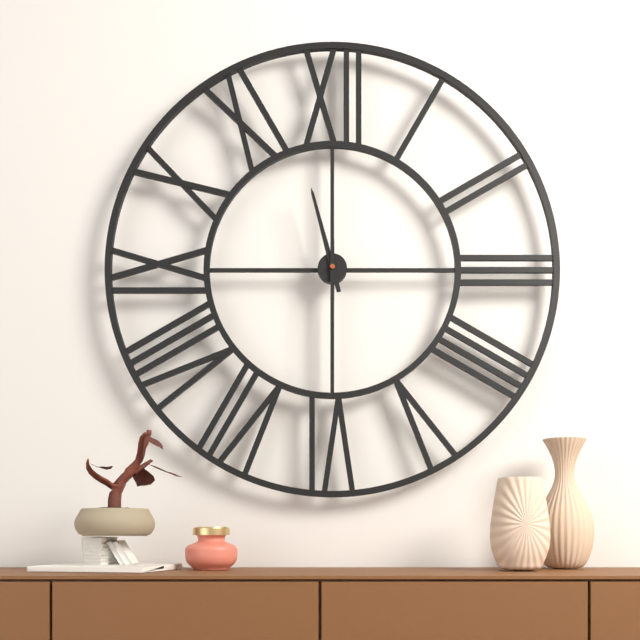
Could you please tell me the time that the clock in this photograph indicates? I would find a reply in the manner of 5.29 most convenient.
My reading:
11.30
